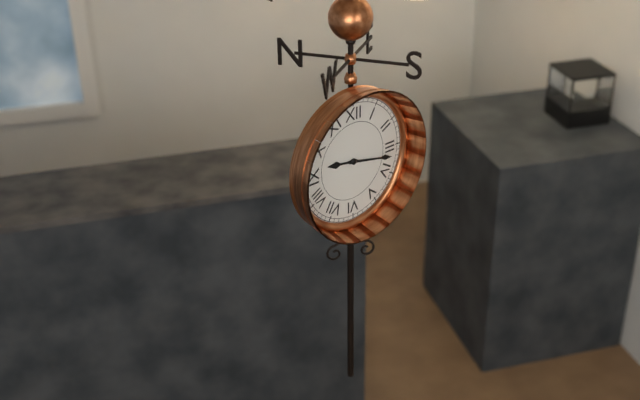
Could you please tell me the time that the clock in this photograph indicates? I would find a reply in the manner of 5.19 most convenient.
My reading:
9.17
